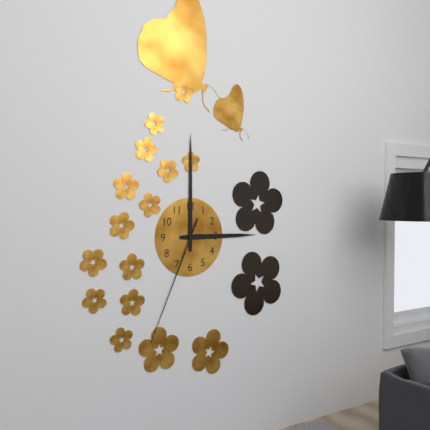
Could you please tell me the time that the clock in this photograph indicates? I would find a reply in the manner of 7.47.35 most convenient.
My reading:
3.00.34
